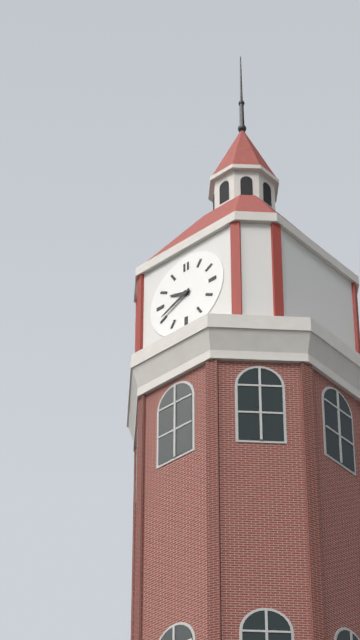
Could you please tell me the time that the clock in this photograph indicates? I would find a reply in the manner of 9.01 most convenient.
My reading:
9.41
